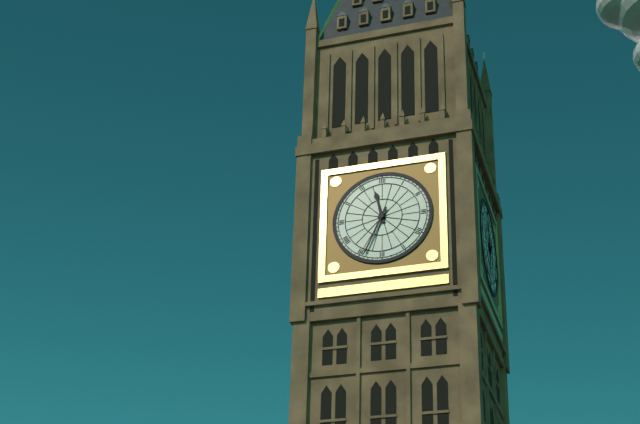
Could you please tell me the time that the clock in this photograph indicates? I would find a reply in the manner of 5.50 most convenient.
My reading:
11.34
